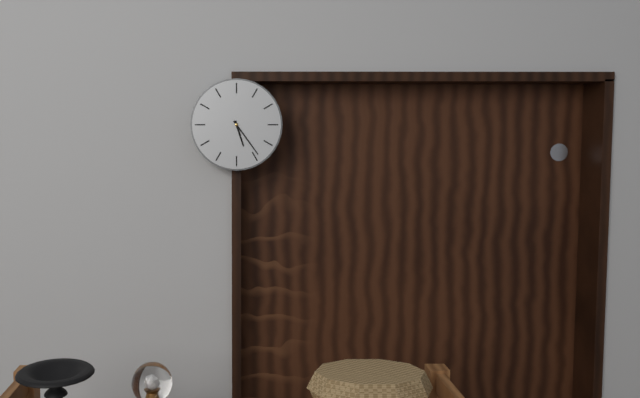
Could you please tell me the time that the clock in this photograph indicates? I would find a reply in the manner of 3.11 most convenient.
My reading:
5.24
